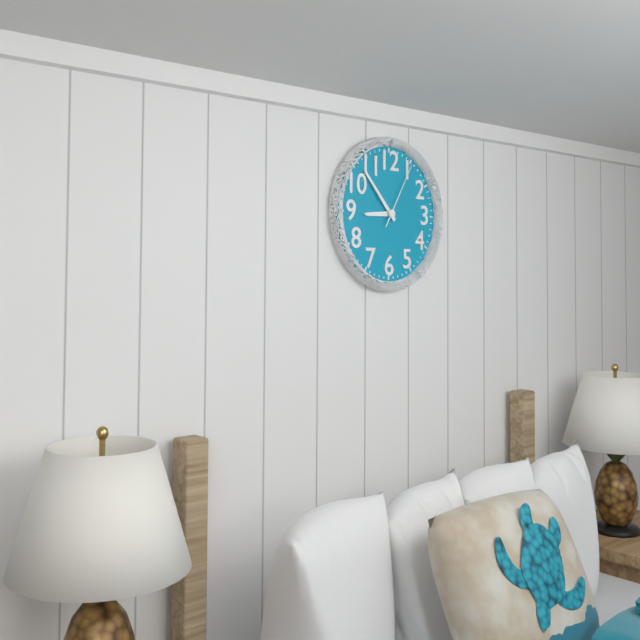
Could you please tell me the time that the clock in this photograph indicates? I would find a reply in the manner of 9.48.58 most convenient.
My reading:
8.53.05
